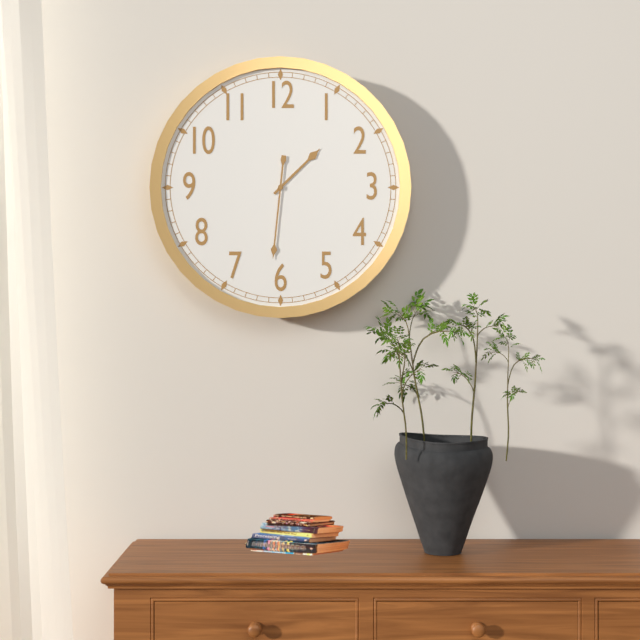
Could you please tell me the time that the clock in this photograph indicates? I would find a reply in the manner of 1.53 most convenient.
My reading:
1.31
